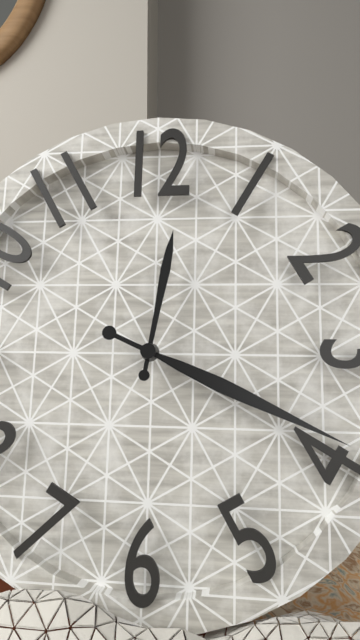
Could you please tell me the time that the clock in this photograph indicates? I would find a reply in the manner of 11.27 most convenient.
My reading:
12.19
